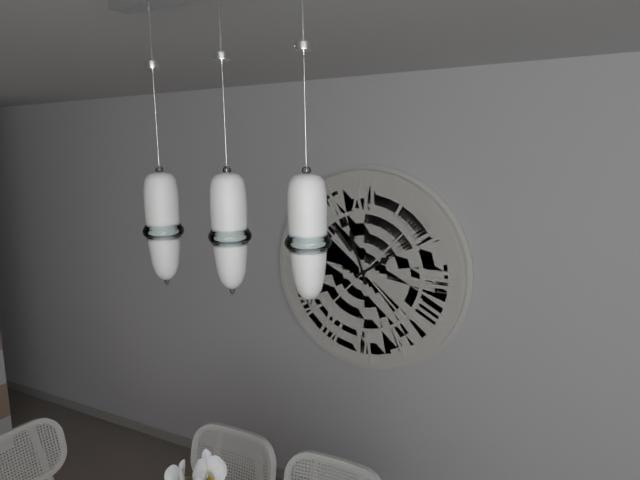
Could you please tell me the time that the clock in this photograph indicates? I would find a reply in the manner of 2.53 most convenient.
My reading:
1.57
